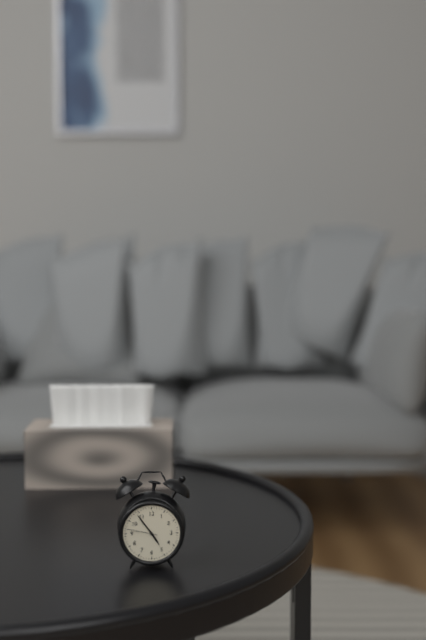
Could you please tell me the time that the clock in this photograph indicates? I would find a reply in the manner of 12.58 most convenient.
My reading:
4.54
